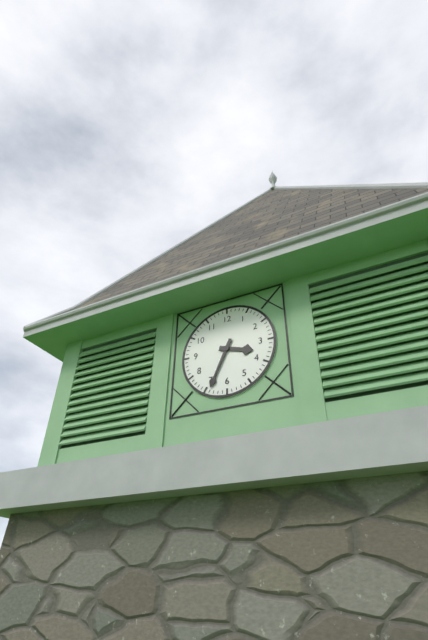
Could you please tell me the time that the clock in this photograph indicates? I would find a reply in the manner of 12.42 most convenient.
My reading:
3.34
